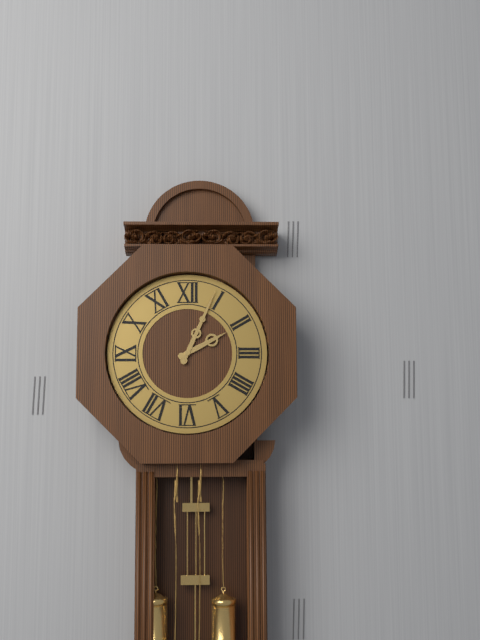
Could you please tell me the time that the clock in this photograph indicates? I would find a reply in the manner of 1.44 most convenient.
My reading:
2.04
